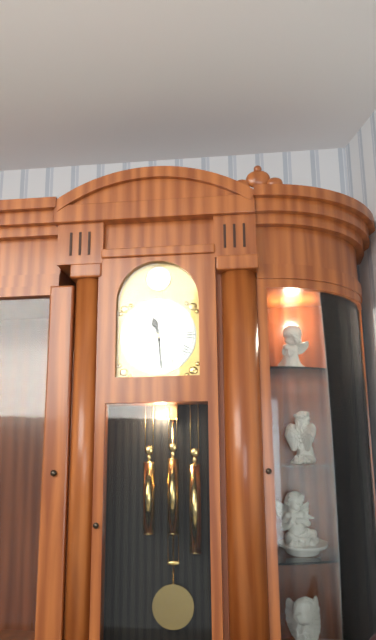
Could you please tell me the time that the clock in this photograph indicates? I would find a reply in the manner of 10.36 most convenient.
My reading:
11.29
